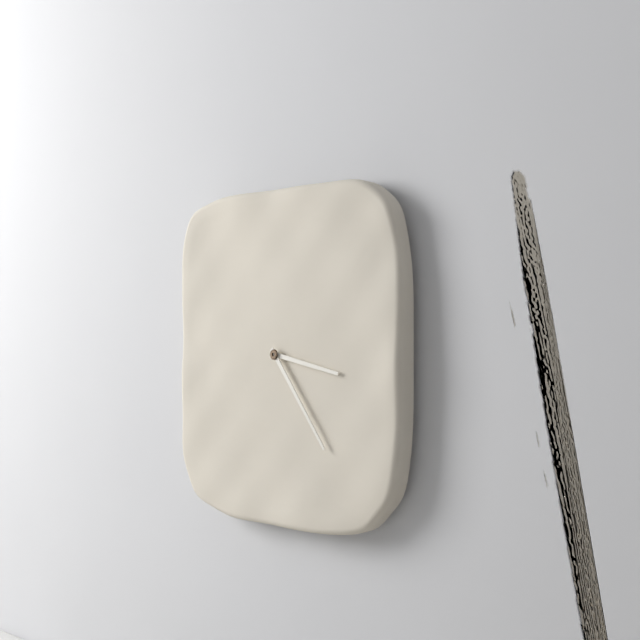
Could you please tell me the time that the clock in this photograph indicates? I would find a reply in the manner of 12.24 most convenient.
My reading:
3.24
